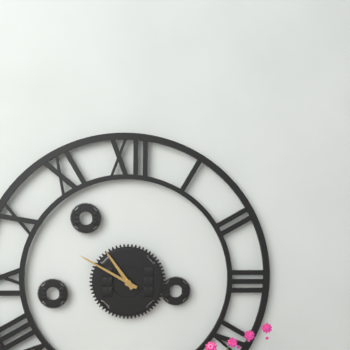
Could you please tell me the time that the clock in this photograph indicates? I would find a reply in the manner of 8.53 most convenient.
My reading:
10.50
